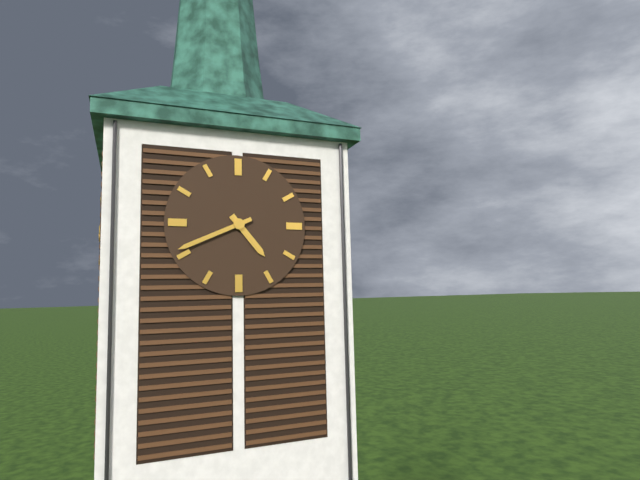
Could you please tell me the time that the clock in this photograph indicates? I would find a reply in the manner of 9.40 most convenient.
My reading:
4.41
